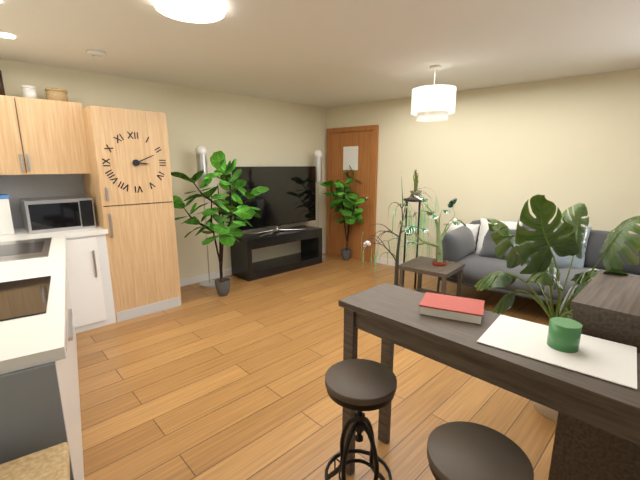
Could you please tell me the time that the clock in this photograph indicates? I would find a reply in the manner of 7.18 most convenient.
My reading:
3.11
